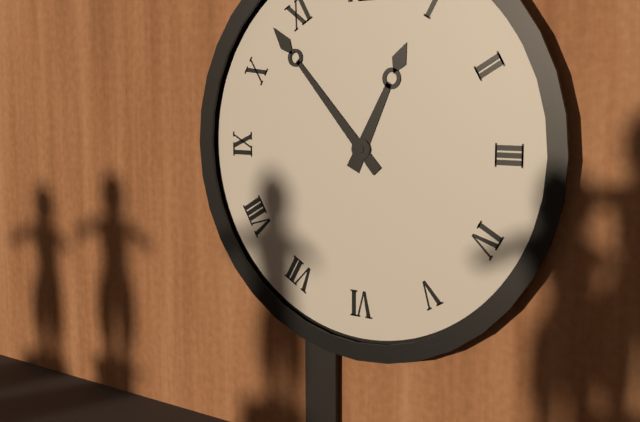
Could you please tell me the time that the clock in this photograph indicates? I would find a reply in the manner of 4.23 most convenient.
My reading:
12.53
